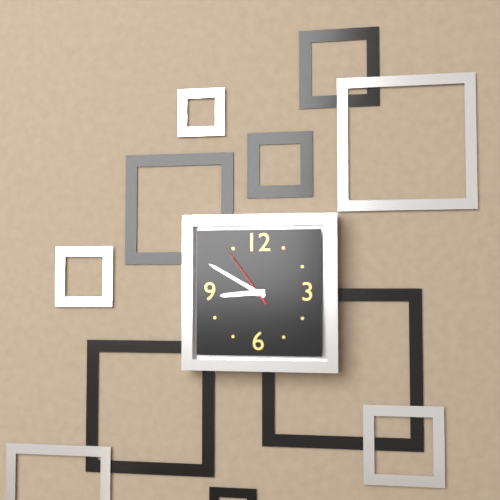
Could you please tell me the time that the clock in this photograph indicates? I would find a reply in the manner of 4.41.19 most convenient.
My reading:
8.50.54
